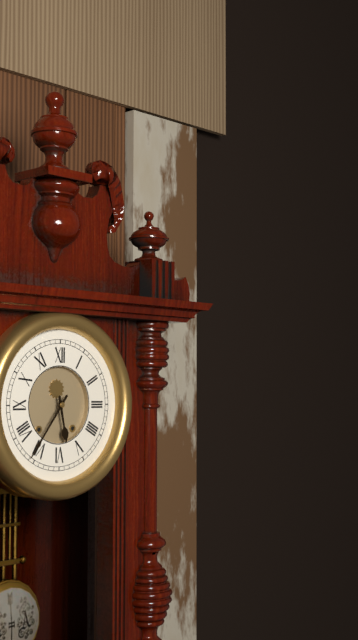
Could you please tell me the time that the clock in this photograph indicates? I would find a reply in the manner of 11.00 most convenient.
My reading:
5.36
